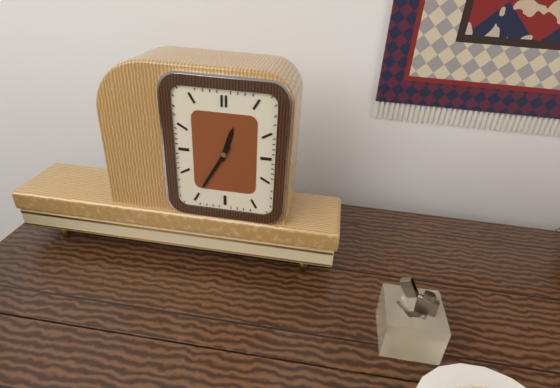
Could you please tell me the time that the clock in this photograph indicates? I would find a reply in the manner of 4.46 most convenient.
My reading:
12.35
